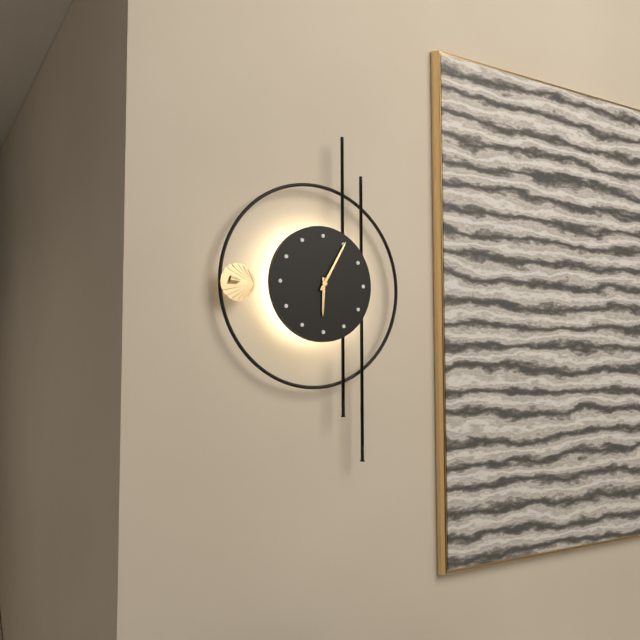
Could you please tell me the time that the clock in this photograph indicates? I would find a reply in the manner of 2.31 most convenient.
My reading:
6.05
